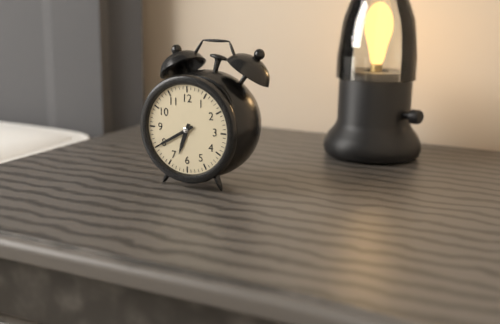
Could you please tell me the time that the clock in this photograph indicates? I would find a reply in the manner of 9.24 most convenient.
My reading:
6.40
